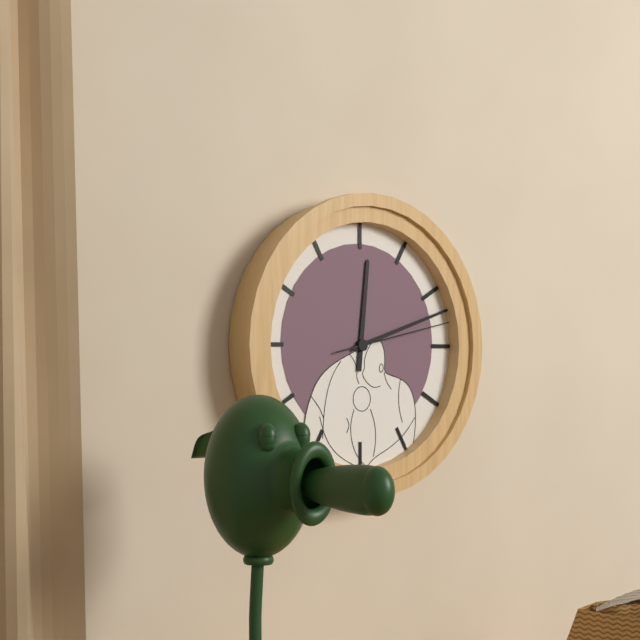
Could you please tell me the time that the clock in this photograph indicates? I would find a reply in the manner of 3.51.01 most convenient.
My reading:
12.12.13
